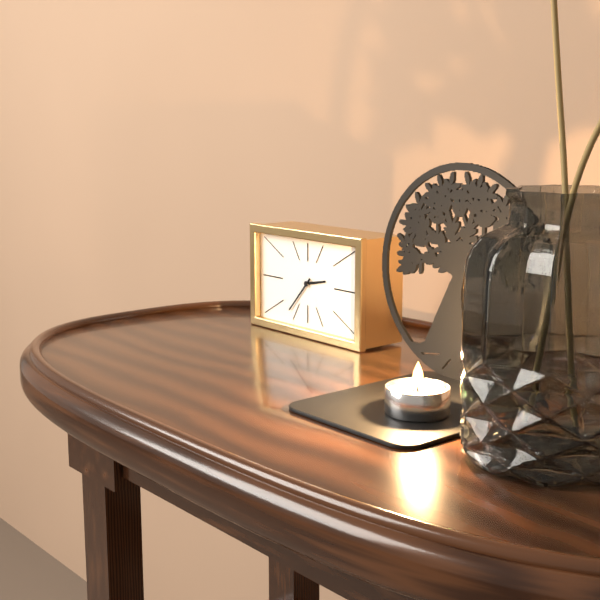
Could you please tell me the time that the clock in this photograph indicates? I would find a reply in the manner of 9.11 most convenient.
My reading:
2.37
